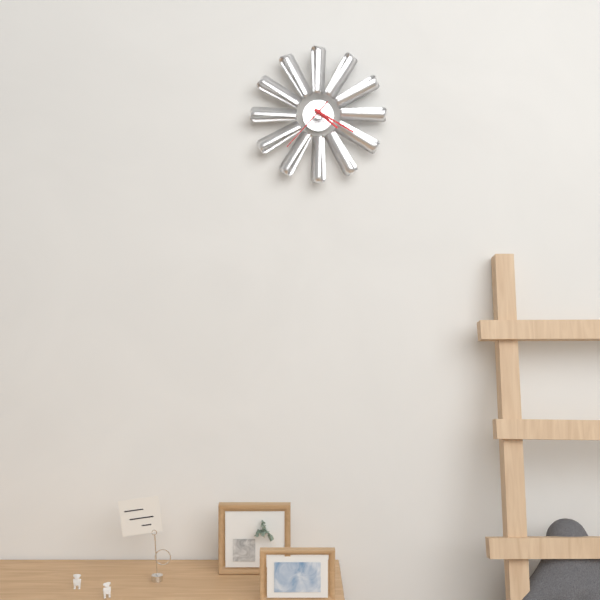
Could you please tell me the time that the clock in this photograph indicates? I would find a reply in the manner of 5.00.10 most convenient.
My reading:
4.20.37
